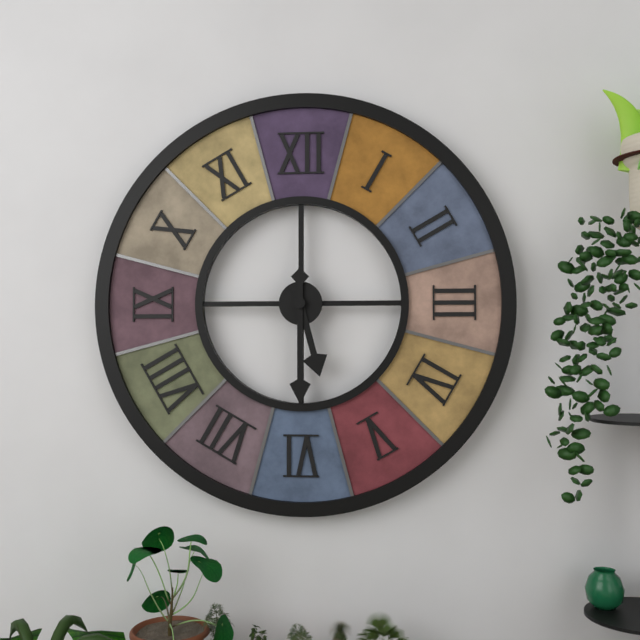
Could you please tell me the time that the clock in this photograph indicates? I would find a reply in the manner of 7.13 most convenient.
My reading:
5.30
